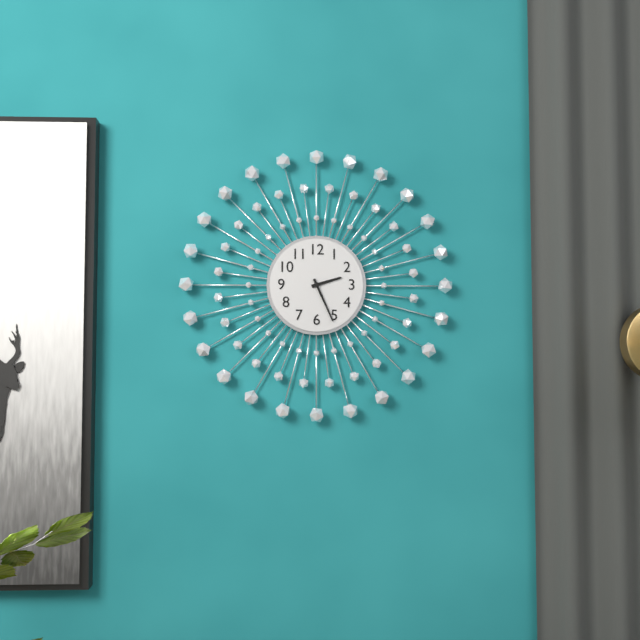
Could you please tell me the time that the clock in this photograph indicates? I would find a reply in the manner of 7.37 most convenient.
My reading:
2.26
